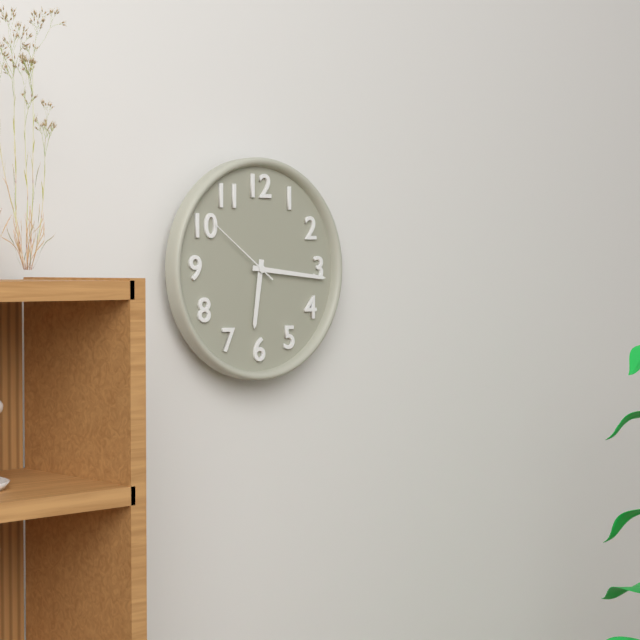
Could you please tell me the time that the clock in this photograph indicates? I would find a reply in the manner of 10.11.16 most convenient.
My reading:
6.16.51
